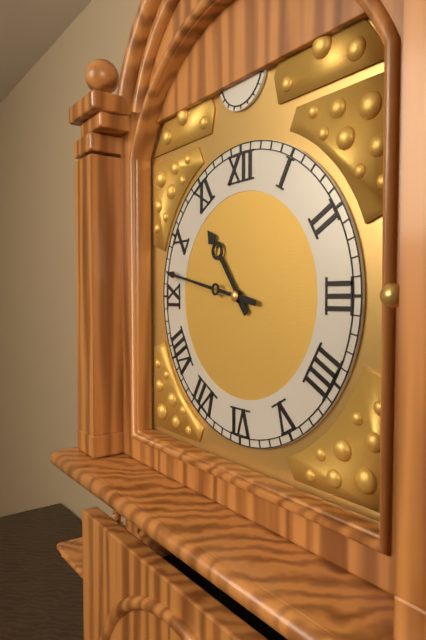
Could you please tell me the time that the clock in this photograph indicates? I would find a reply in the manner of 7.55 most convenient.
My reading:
10.47
